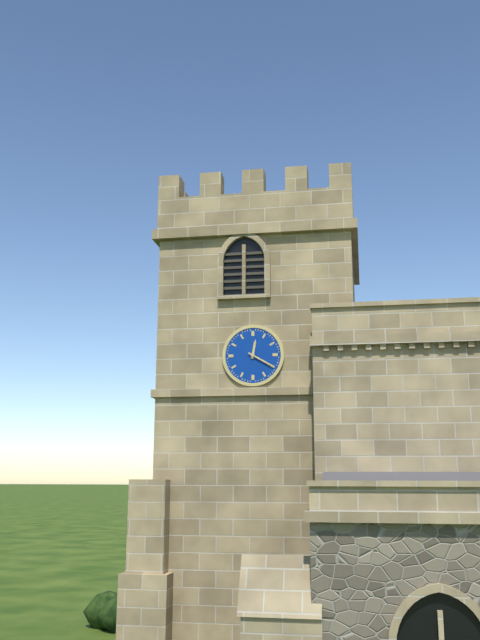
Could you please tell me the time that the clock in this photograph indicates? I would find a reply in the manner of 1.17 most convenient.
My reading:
12.20
